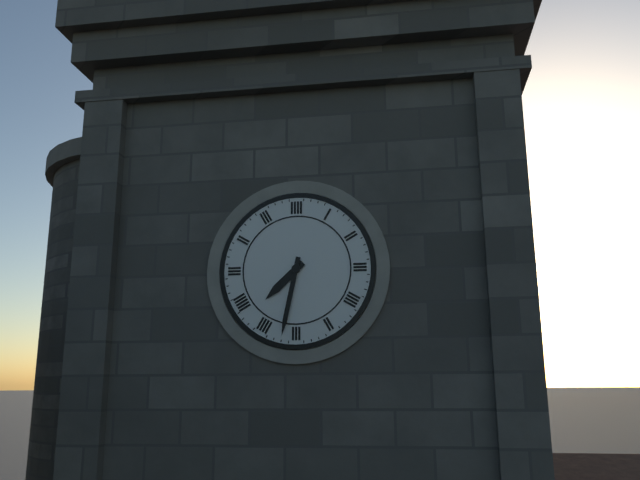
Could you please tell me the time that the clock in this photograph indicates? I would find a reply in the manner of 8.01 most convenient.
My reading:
7.32
